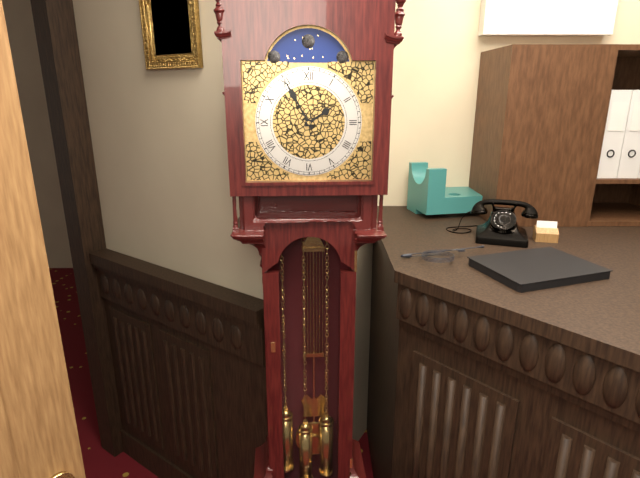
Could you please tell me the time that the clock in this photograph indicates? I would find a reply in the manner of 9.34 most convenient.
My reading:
1.55
